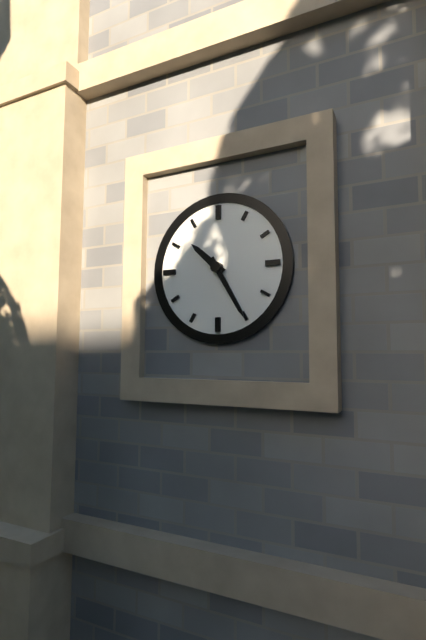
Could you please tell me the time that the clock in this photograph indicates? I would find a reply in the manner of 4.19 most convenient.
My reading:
10.25
